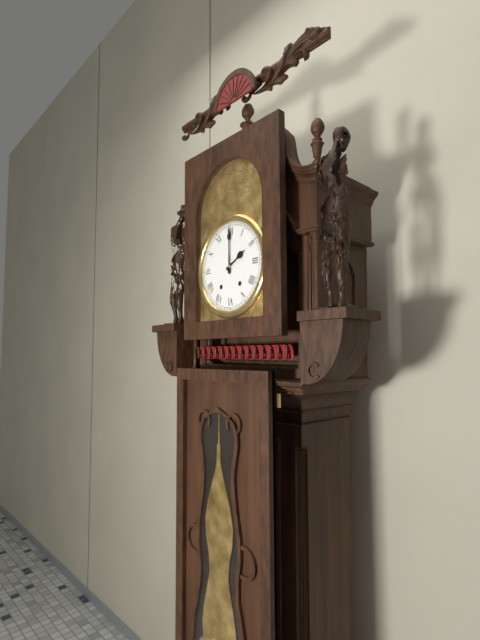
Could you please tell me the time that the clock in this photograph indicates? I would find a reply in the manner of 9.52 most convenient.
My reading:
2.00
